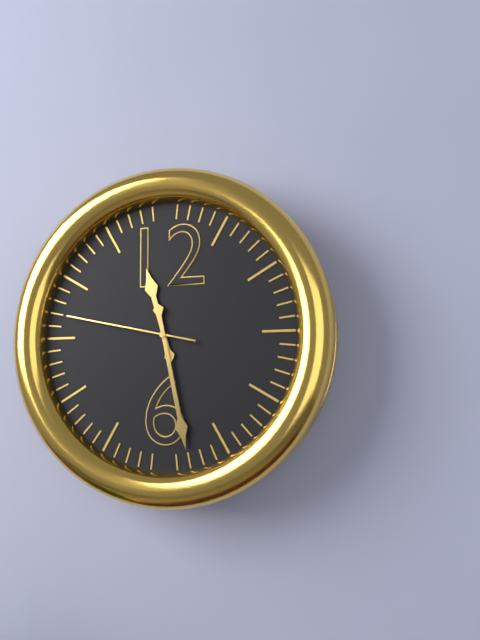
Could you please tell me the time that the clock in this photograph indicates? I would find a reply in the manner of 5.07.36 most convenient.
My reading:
11.28.47
